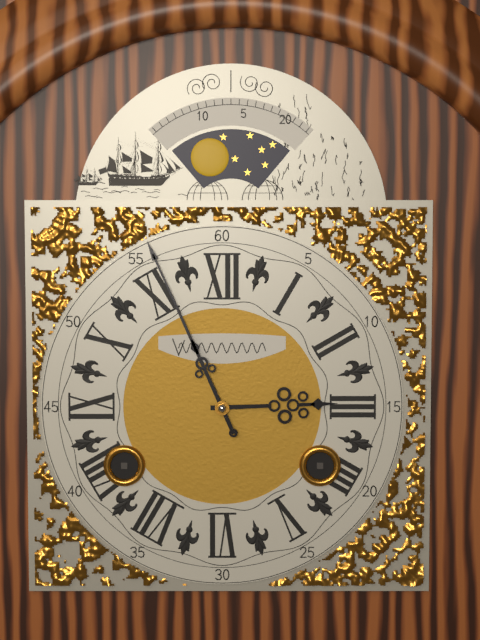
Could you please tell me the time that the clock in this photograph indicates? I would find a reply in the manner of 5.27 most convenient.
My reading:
2.56
